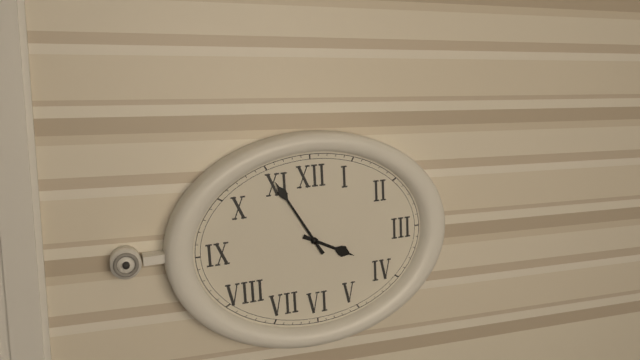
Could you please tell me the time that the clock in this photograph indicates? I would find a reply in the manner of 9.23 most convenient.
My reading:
3.55
